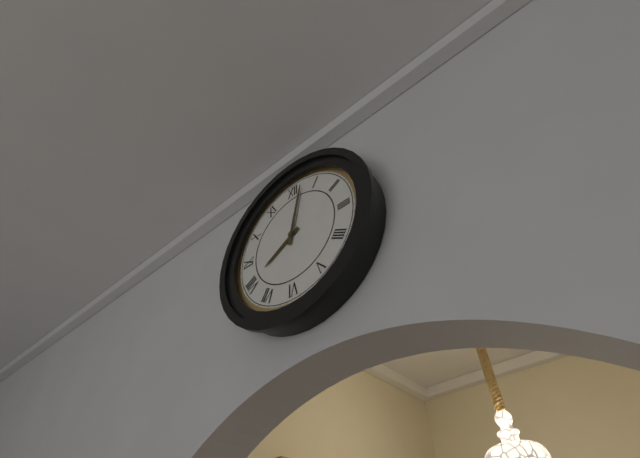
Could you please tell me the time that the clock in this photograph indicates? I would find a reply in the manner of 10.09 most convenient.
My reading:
8.02
